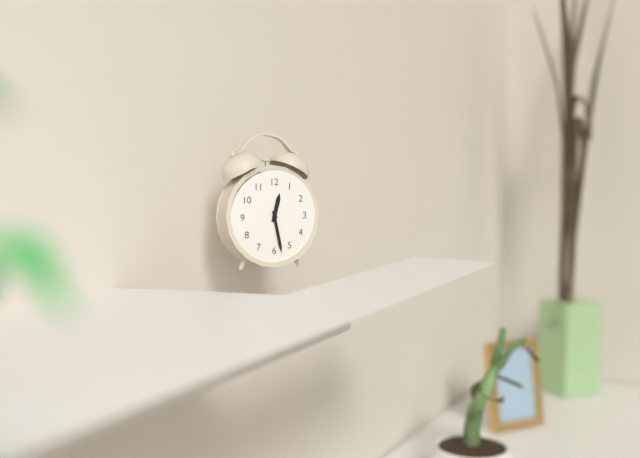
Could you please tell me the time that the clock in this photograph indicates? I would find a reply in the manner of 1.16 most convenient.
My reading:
12.28
